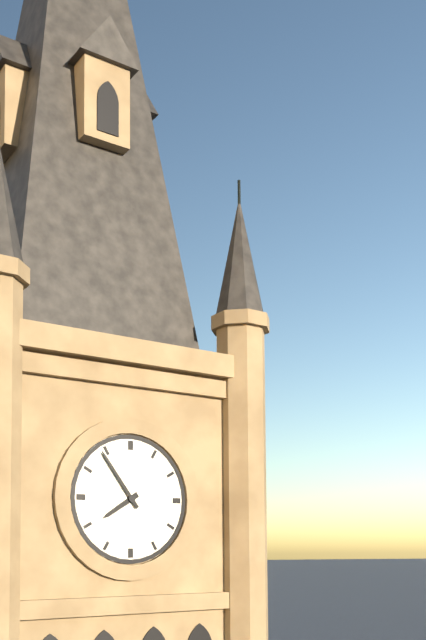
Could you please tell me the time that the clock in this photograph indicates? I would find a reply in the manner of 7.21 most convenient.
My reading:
7.54
